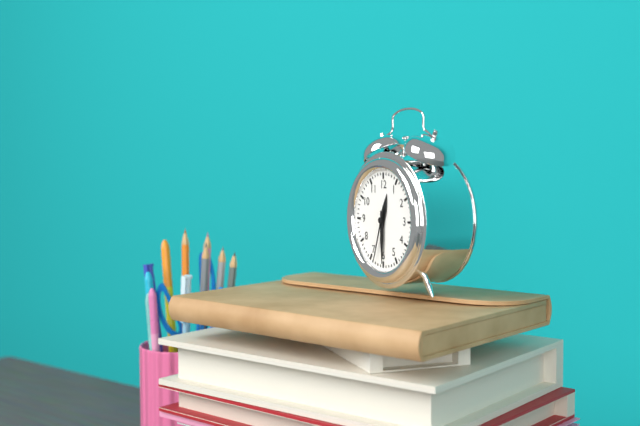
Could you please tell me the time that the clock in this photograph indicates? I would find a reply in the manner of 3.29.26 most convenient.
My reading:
12.30.33
